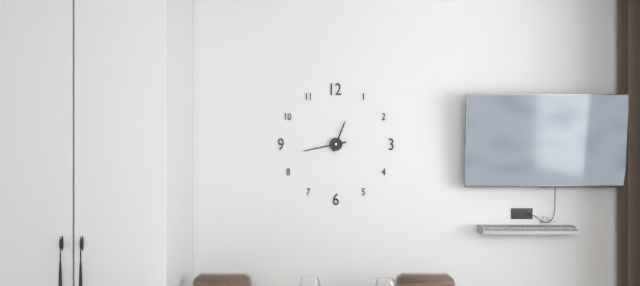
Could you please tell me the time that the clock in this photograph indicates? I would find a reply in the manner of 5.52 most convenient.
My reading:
12.43
